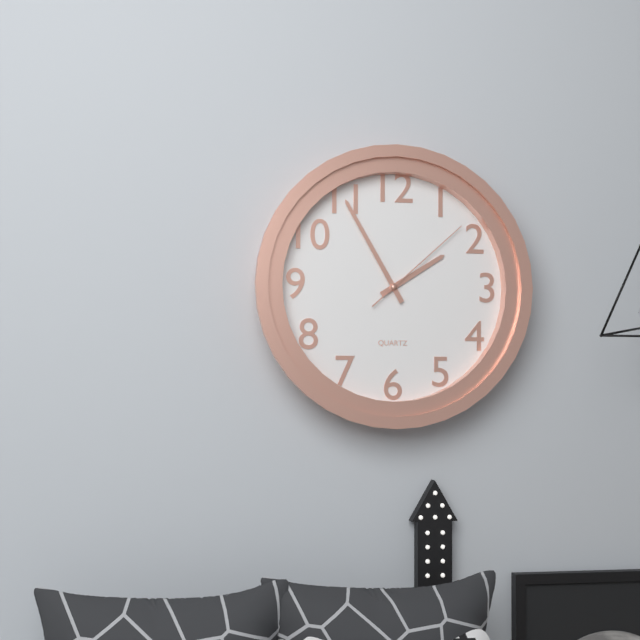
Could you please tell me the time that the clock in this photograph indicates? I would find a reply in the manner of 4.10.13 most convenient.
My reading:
1.55.08
